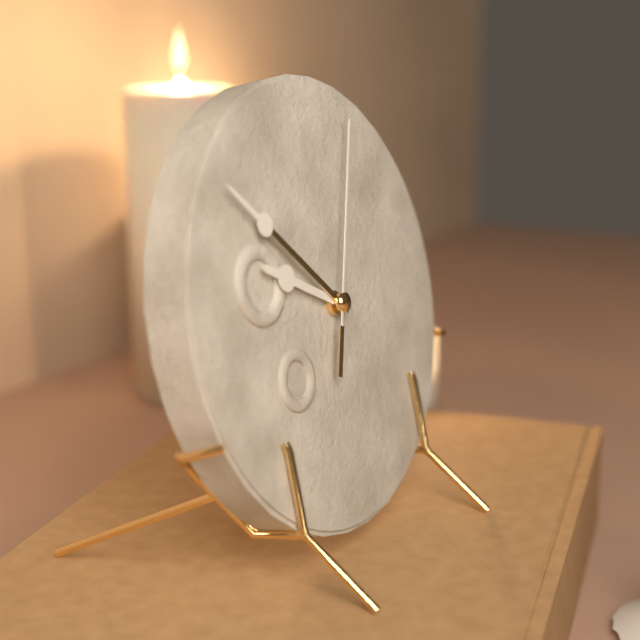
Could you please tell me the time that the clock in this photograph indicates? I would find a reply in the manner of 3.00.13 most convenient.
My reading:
9.52.04
